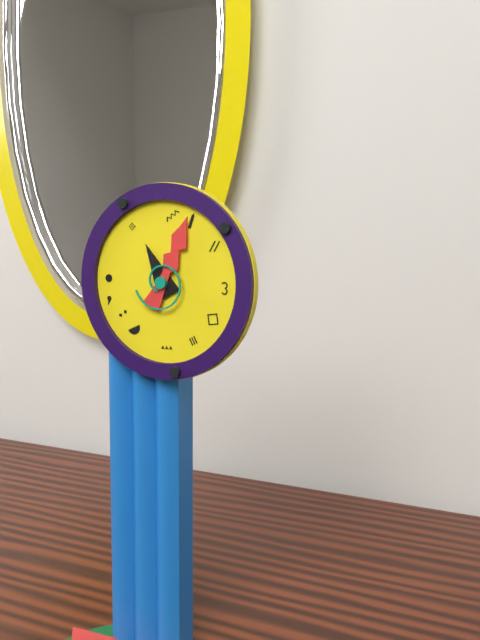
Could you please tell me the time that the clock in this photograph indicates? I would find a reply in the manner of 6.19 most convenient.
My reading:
11.04
